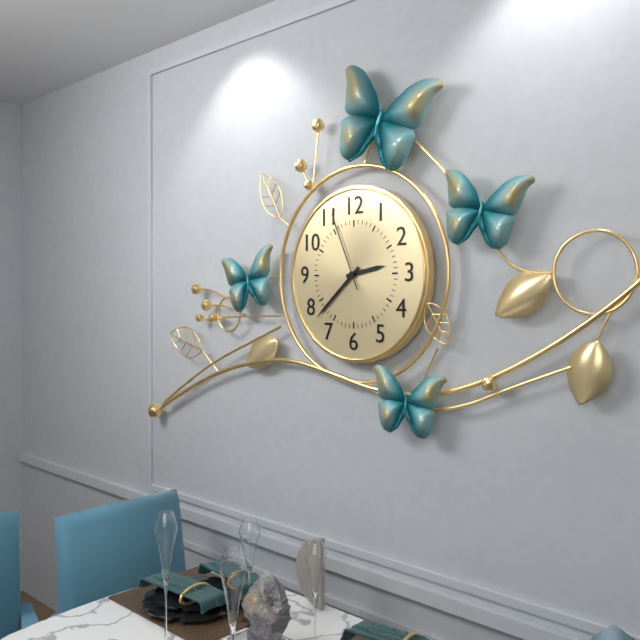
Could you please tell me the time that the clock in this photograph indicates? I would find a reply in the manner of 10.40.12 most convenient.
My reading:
2.38.56
